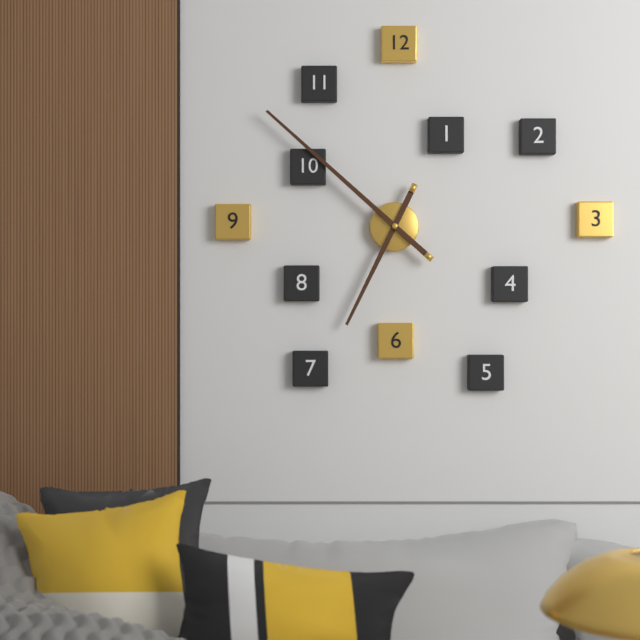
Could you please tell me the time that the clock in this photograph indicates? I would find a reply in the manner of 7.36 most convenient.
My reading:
6.52
